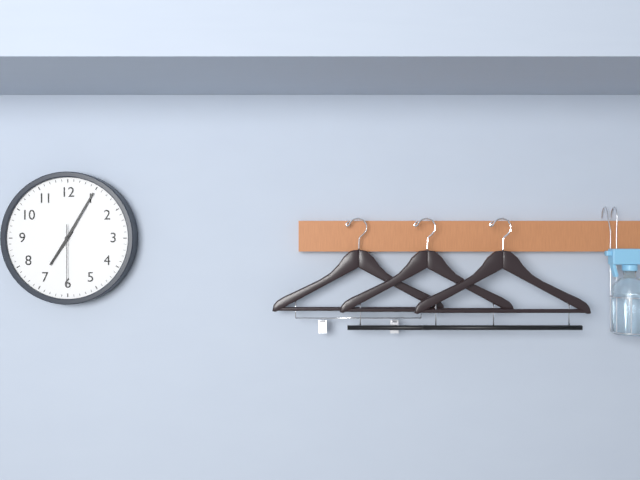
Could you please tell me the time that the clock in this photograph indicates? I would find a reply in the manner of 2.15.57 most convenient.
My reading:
7.05.30
